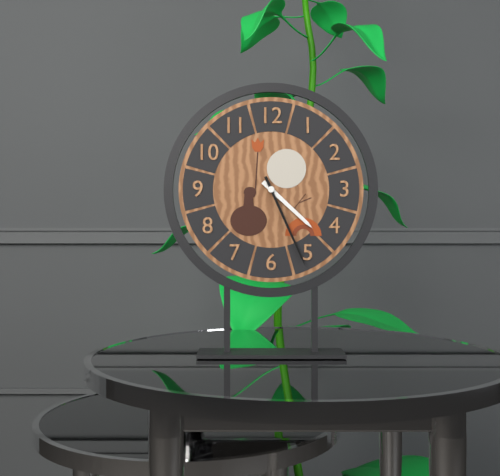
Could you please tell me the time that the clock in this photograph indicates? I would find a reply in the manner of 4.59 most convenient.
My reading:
4.26
